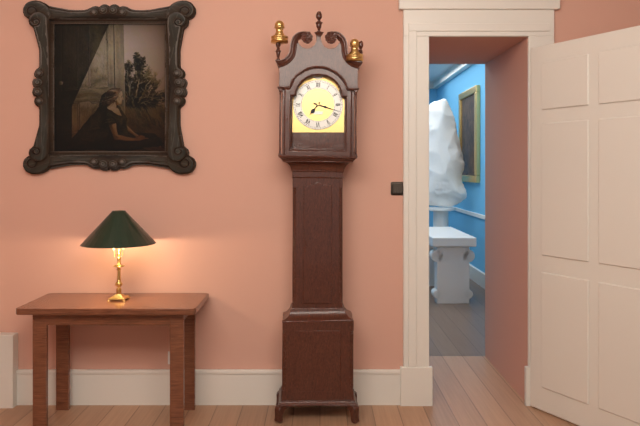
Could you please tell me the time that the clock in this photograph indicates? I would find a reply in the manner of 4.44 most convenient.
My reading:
7.18
